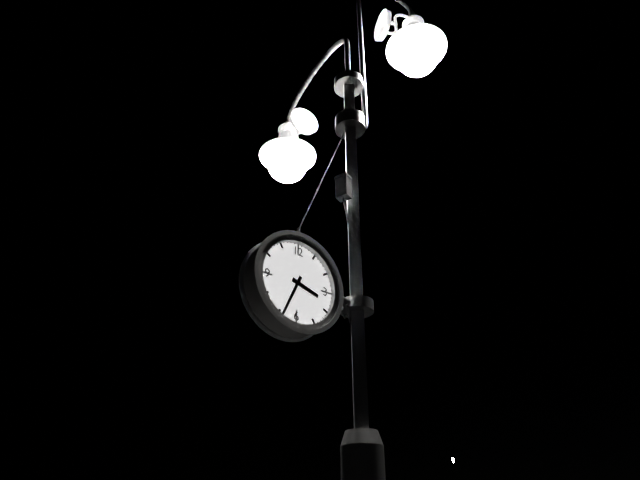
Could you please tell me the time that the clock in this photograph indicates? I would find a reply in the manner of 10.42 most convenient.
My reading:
3.34
